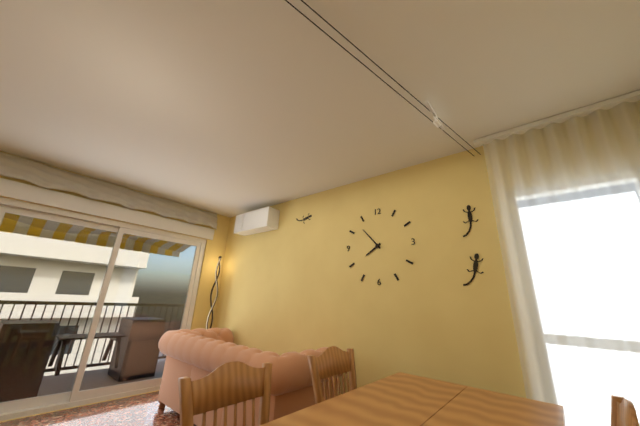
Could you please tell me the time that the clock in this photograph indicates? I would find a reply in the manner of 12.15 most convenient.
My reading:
7.53
